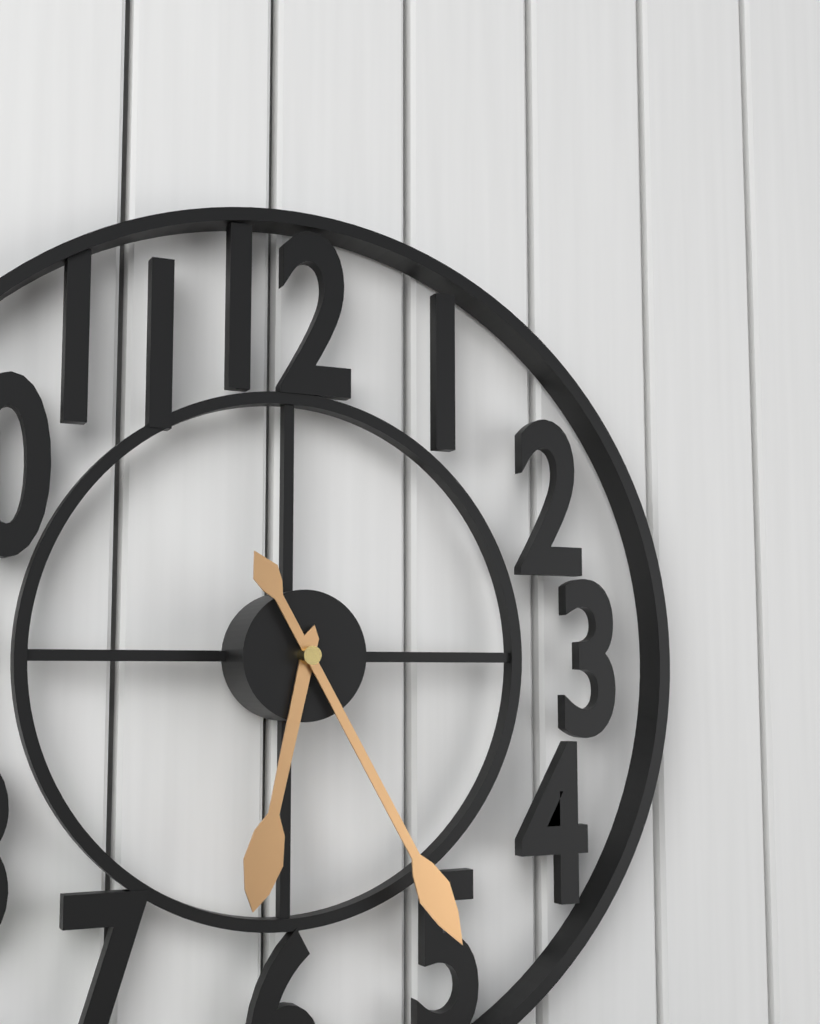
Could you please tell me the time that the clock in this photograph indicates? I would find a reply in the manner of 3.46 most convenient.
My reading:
6.25
